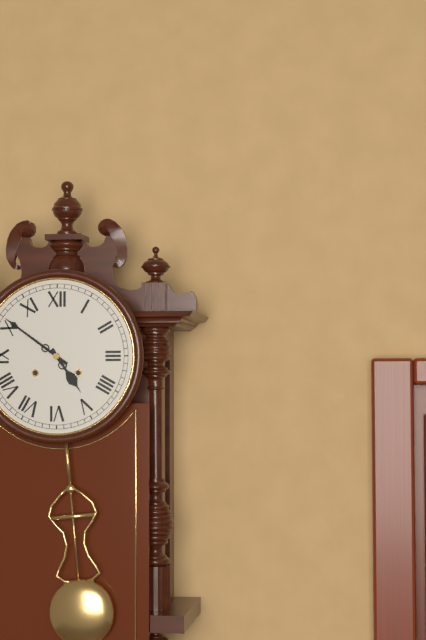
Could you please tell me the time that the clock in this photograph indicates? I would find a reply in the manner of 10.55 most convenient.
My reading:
4.51
